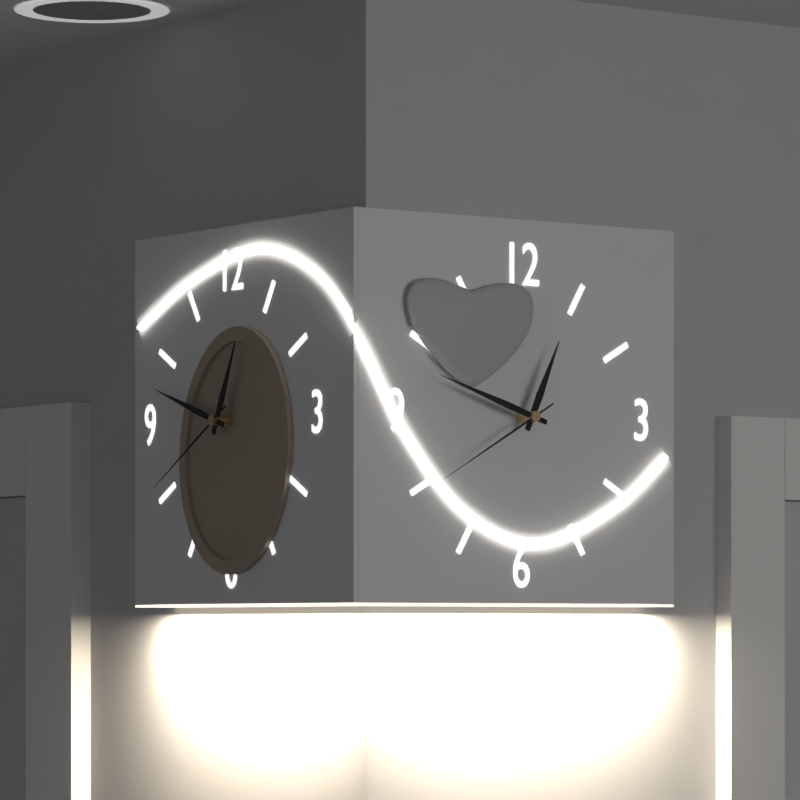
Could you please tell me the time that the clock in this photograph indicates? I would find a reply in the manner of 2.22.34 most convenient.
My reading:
12.48.40
